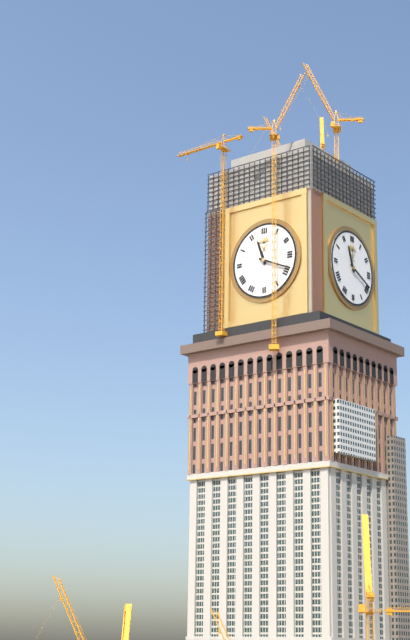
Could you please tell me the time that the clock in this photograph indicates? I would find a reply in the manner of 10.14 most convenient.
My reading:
11.19
